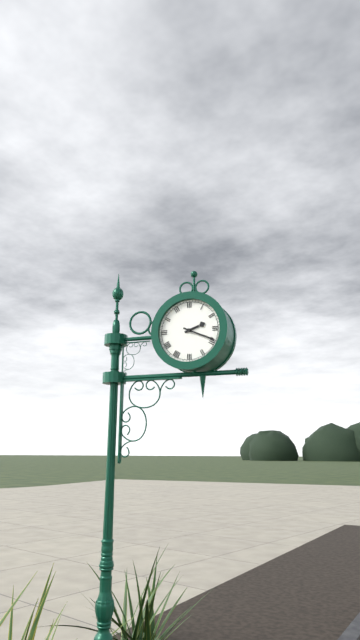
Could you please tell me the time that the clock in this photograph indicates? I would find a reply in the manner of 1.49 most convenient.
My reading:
2.19
